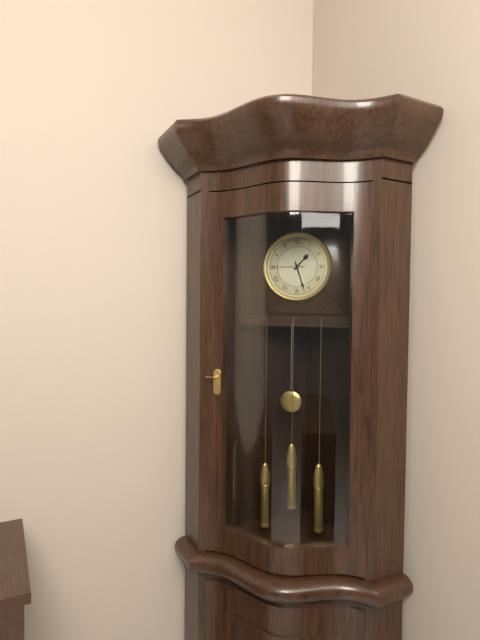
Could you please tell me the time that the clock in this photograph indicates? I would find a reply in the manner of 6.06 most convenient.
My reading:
1.27
